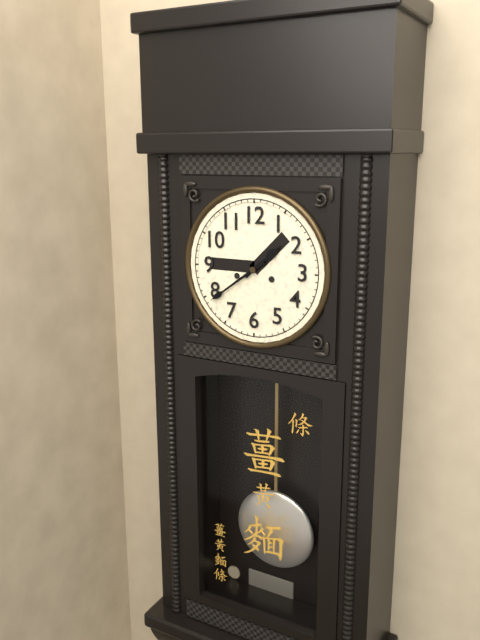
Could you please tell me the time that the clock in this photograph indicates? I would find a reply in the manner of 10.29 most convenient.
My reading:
1.39
